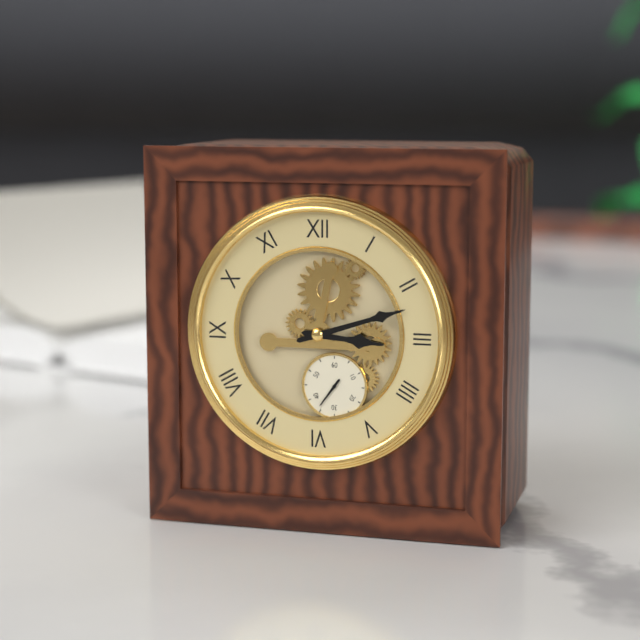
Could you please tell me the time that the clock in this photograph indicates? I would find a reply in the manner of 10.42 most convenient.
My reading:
3.12
